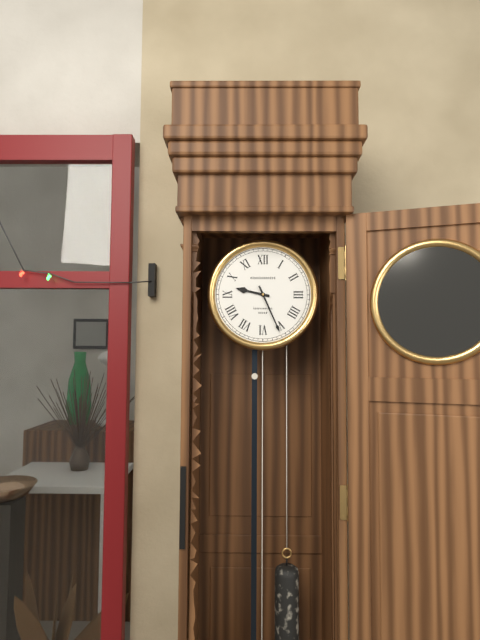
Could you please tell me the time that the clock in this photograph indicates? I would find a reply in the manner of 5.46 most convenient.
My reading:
9.26
